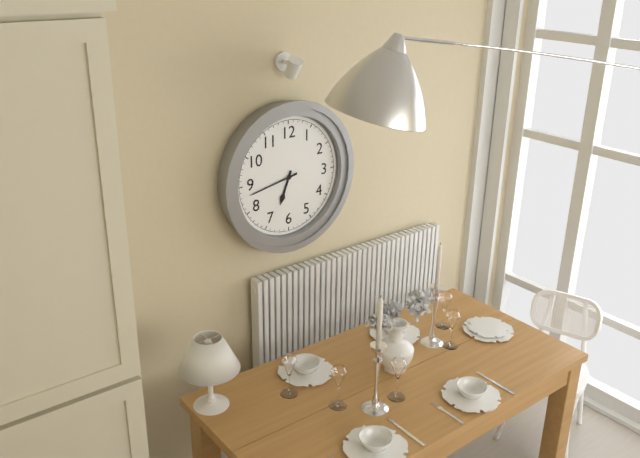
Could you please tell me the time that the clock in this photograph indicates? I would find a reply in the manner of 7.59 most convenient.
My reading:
6.43
